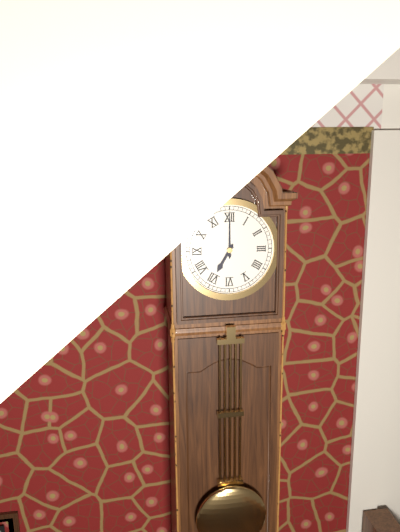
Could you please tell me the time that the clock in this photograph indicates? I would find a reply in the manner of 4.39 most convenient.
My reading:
7.00
